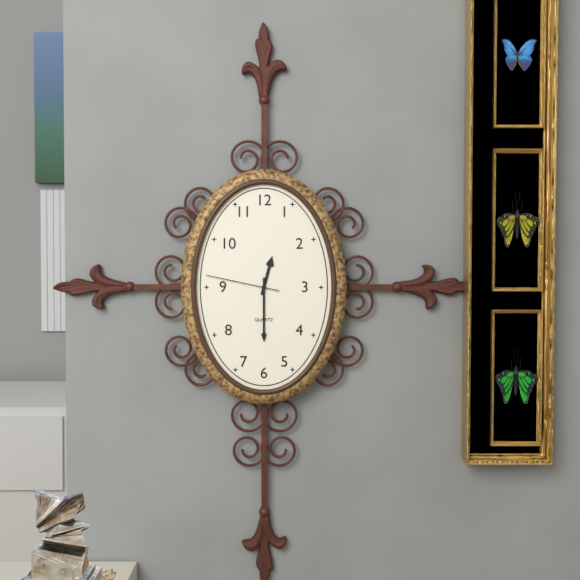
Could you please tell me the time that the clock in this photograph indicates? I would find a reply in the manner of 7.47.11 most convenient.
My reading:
12.30.47
